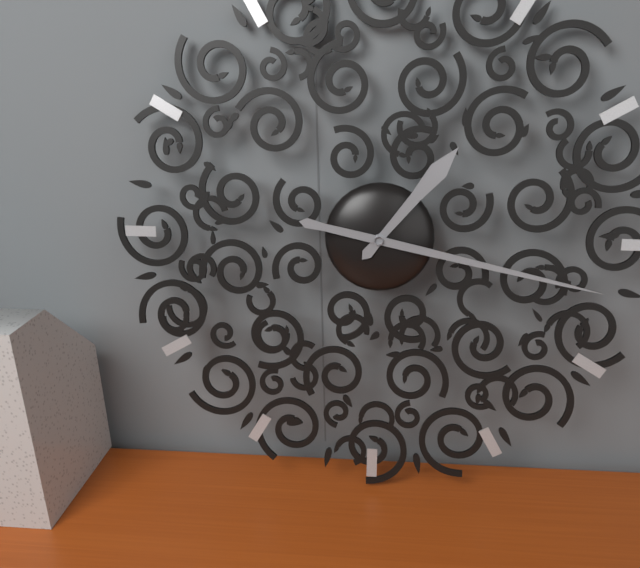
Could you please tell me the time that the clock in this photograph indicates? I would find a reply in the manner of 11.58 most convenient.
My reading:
1.17
